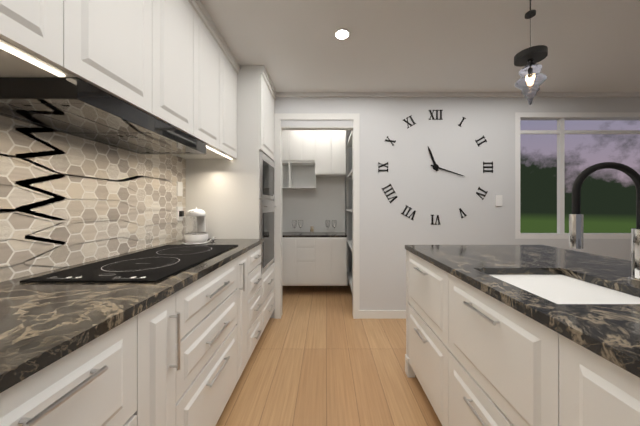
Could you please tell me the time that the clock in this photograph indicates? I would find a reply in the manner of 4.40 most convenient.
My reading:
11.18
